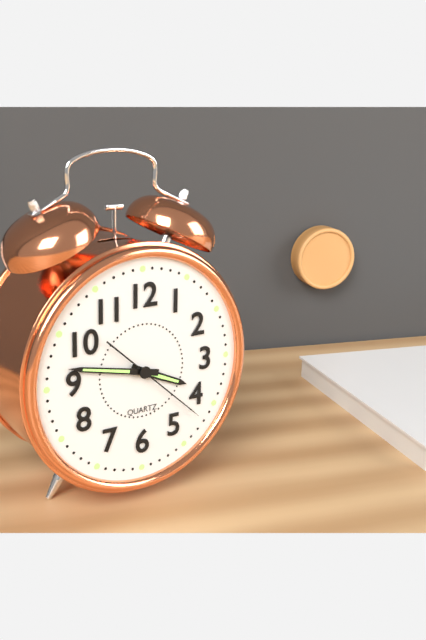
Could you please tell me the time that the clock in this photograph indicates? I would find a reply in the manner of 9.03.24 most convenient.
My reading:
3.47.22
